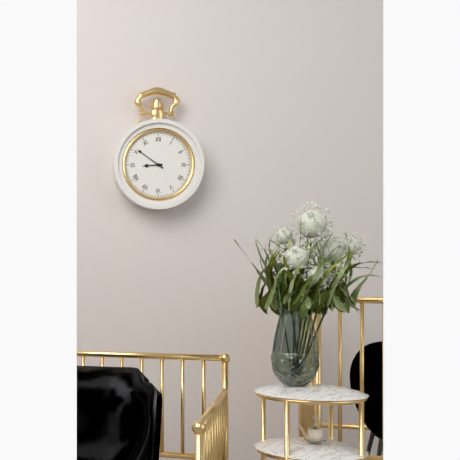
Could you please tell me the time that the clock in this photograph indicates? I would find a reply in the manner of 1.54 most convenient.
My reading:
8.51
